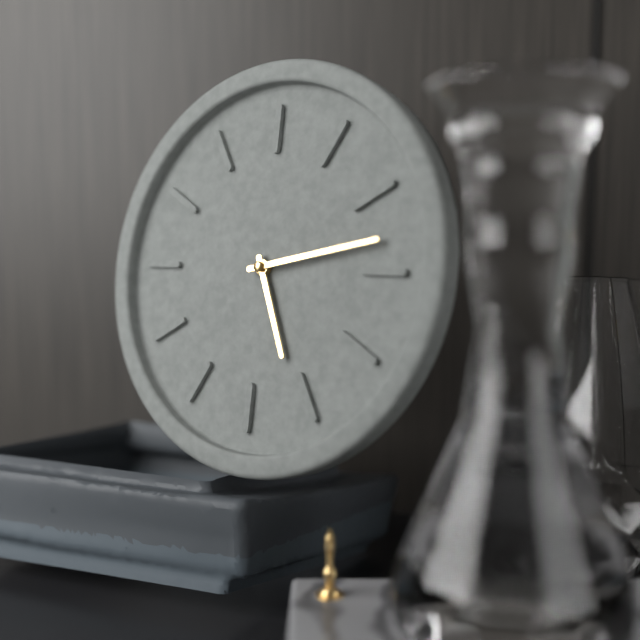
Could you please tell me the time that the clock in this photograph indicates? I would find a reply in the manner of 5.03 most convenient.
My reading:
5.13
